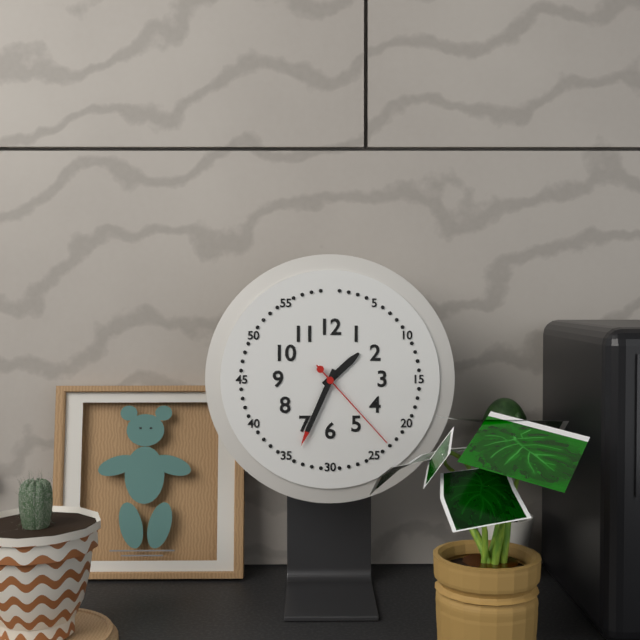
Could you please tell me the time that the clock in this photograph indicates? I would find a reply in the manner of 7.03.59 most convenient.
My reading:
1.34.23
